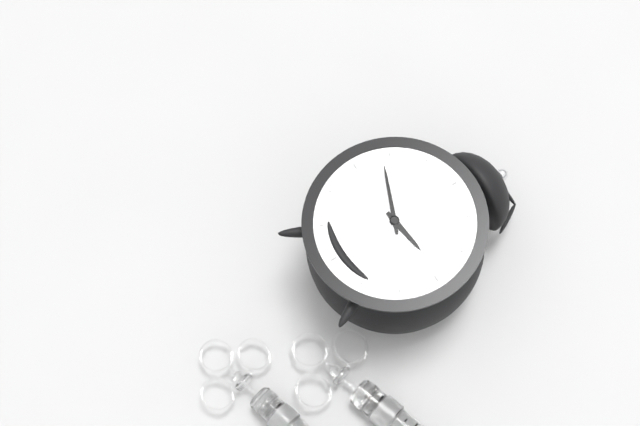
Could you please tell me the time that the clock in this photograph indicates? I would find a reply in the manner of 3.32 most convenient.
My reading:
2.49
